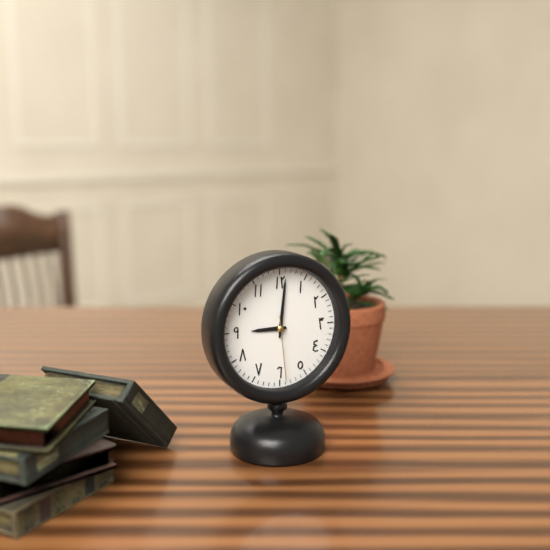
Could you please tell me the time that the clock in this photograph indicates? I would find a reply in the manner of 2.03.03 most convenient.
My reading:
9.01.29
